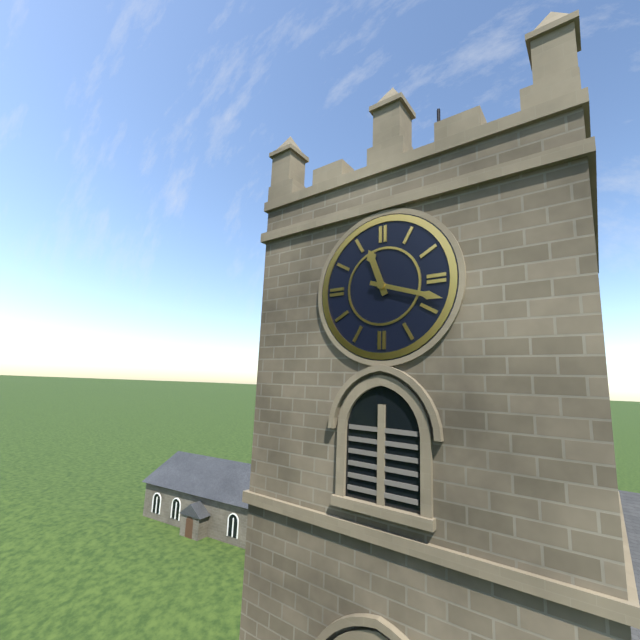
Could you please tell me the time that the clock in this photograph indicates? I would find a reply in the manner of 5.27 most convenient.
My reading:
11.18
